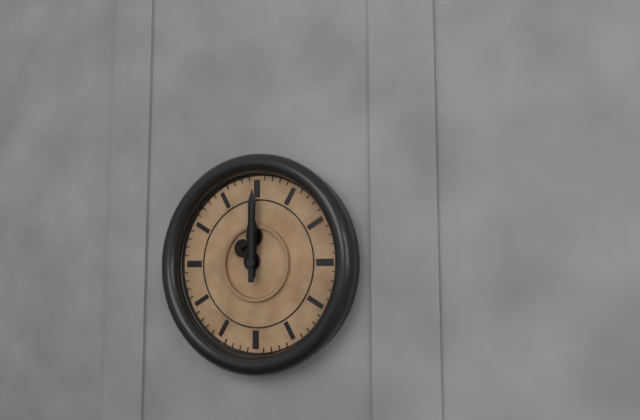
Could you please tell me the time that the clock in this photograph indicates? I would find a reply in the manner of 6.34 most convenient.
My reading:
12.00
